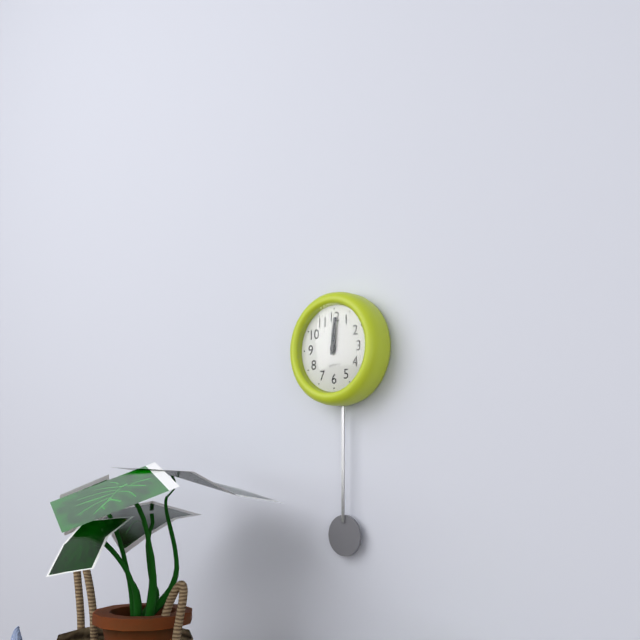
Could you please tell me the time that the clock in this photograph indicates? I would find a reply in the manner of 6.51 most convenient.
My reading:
12.01
